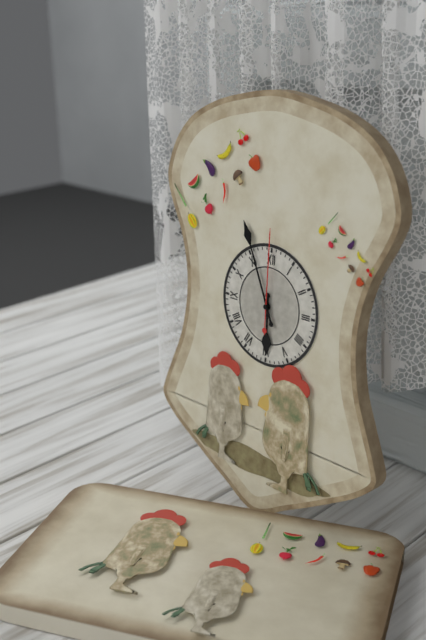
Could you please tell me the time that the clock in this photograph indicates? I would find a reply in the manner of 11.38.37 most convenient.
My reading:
5.56.00
